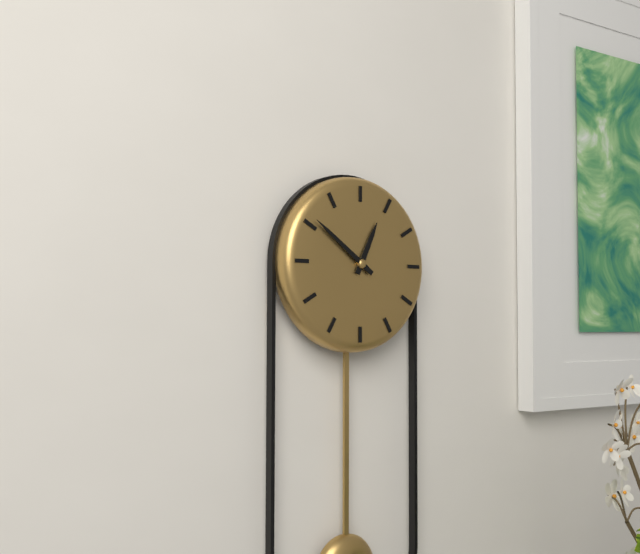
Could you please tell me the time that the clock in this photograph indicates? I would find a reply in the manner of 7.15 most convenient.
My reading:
12.51
